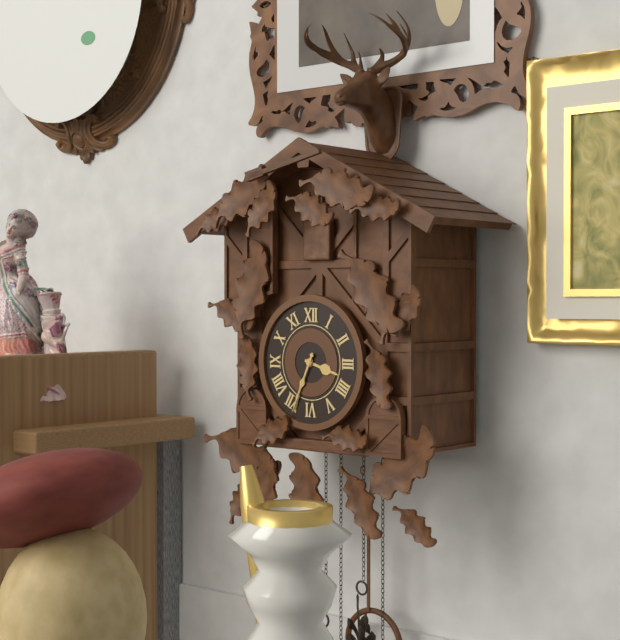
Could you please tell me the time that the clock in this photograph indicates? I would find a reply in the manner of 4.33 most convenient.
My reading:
3.34
